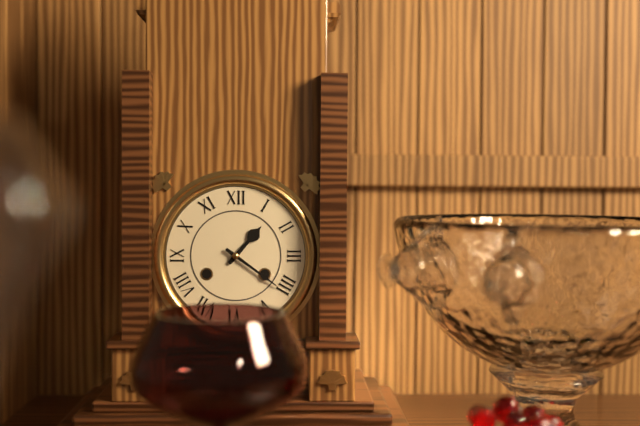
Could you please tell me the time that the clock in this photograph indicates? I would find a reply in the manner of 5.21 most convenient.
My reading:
1.21
